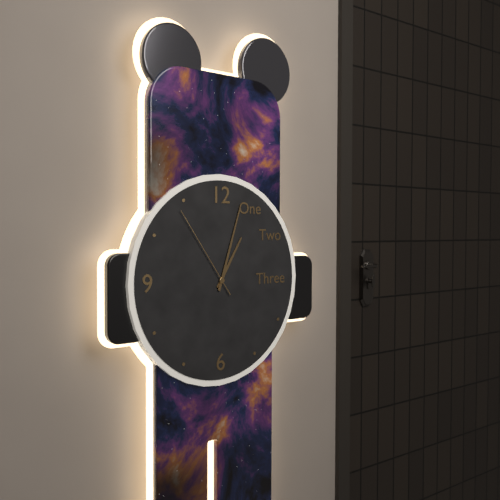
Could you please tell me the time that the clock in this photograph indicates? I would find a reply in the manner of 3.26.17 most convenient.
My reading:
1.03.54
